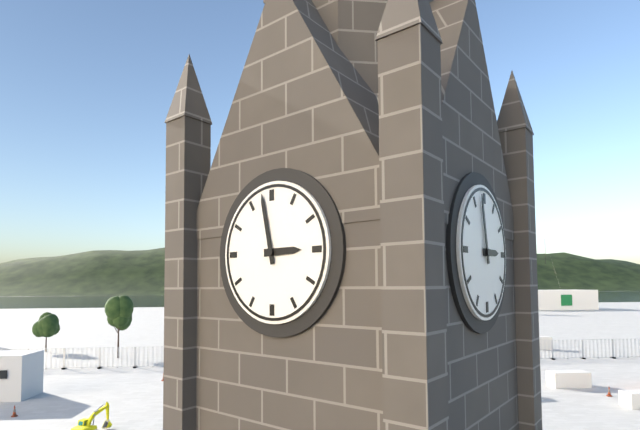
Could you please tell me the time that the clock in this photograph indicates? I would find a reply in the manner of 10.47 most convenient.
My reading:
2.58
